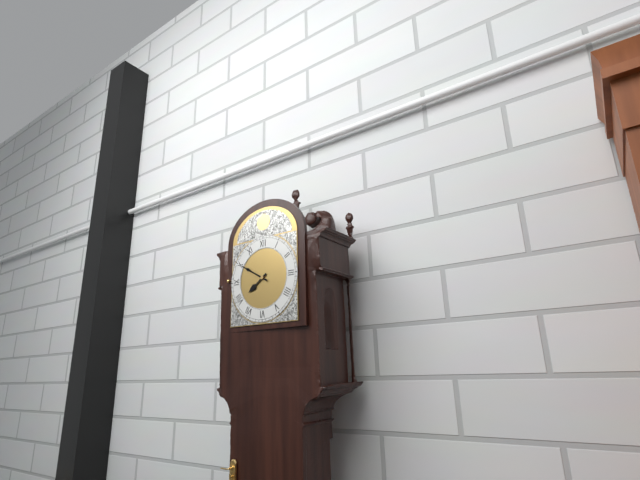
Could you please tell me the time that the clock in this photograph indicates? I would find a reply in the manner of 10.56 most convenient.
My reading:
7.50
